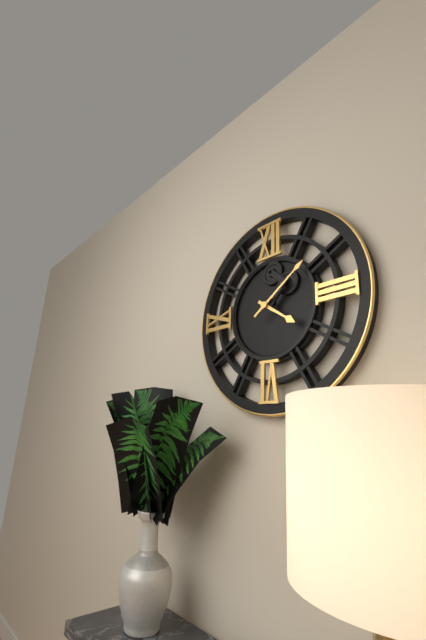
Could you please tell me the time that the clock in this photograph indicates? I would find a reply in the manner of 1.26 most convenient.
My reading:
4.09
